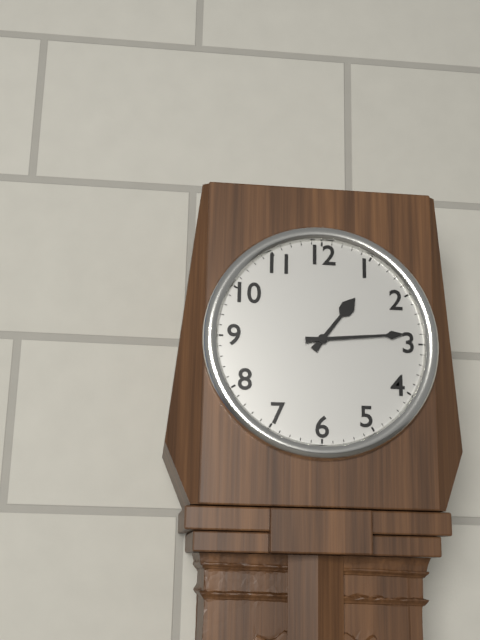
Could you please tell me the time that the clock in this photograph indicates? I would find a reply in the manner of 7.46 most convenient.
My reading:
1.14
